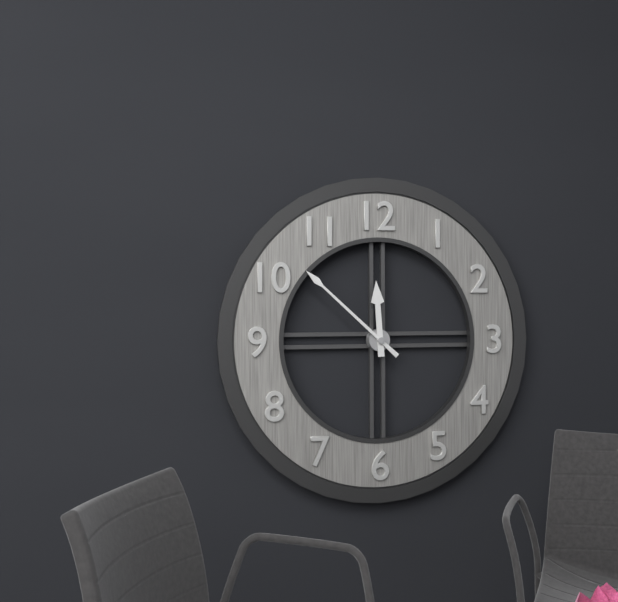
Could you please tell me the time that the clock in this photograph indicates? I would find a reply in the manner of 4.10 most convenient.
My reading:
11.52
